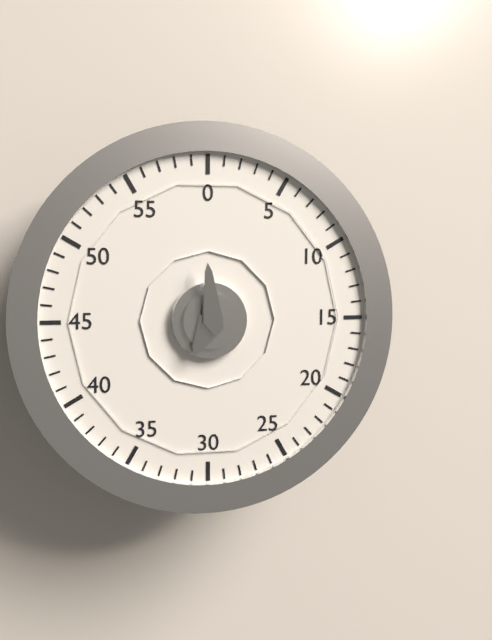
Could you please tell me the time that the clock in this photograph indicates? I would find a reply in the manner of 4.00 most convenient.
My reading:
6.59
